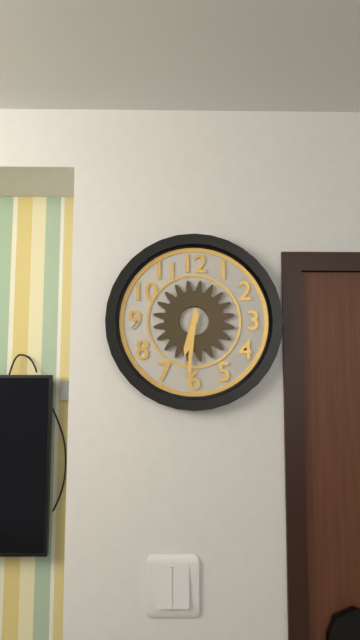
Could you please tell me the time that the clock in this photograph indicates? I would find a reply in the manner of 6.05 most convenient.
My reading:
6.31
